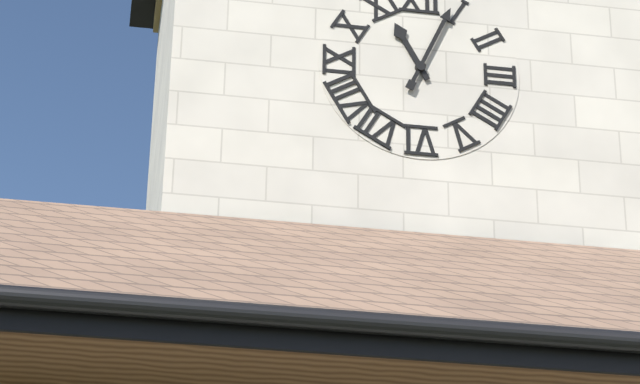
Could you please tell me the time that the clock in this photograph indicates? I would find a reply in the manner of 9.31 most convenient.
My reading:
11.04
